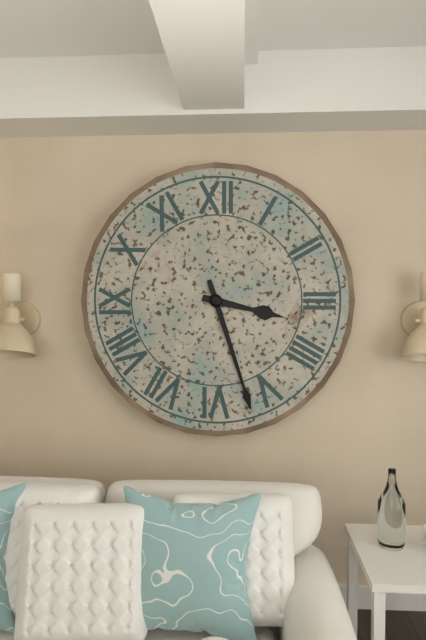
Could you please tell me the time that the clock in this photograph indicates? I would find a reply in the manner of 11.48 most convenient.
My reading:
3.27
